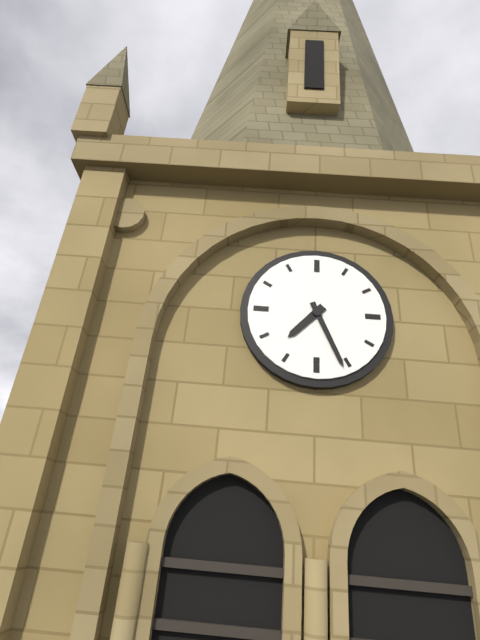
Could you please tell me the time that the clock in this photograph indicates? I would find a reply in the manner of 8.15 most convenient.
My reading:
7.26
